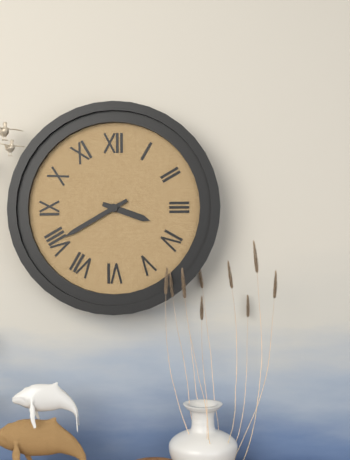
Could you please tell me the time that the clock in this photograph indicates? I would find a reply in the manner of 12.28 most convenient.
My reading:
3.40
